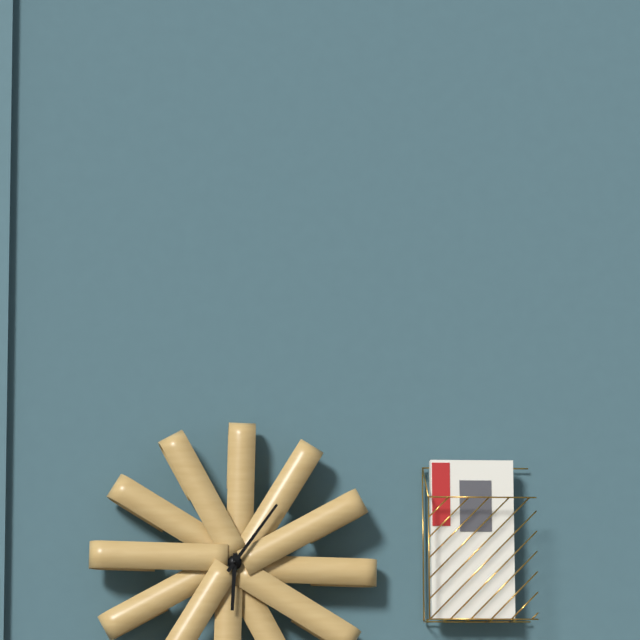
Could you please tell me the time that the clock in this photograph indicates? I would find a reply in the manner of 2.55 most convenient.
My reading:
6.06
